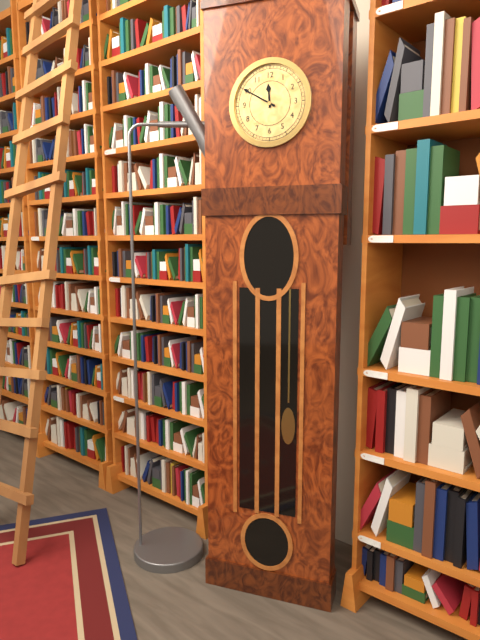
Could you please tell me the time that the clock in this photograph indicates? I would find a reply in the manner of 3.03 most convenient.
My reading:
11.50
